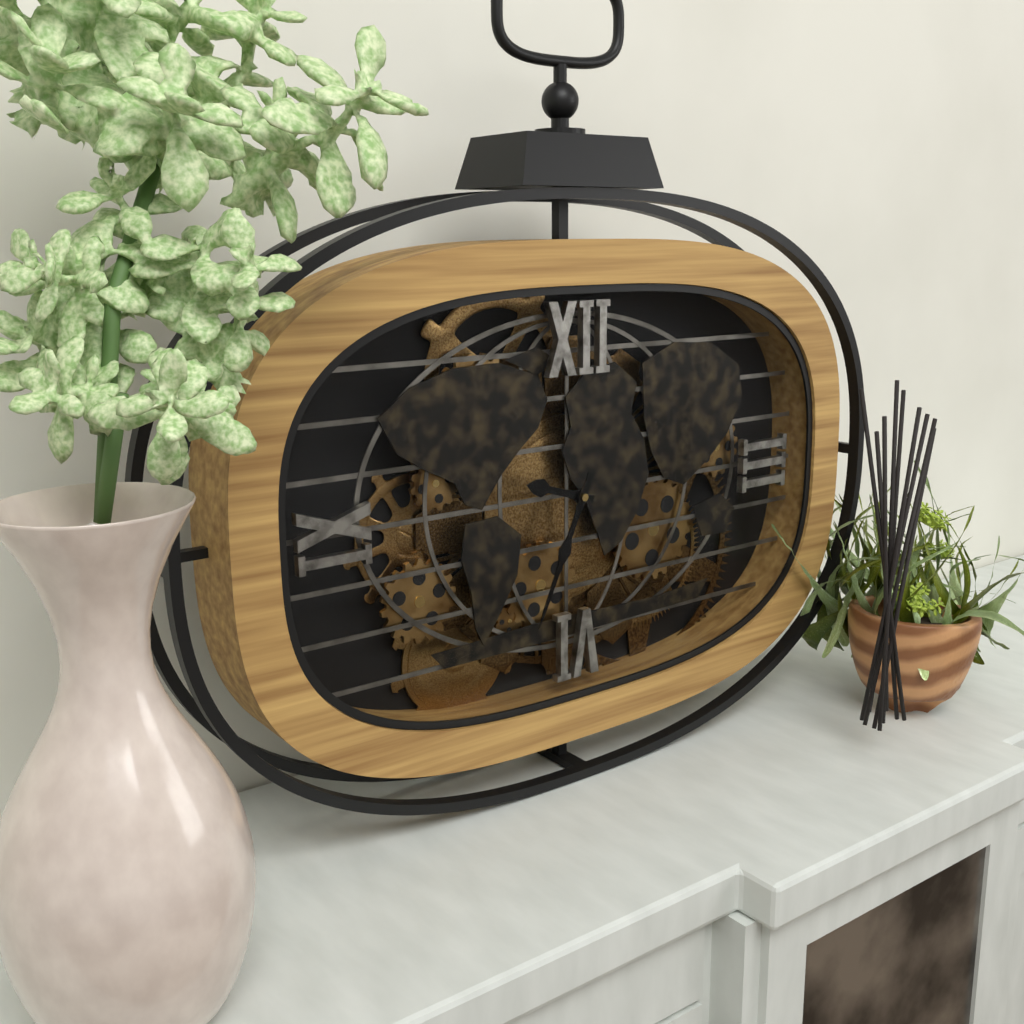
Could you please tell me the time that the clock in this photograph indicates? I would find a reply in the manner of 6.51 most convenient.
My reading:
9.34
